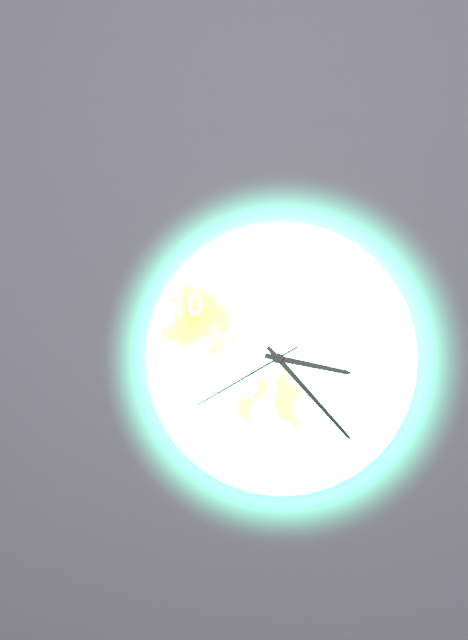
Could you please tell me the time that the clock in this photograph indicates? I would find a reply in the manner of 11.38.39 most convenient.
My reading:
3.23.40
